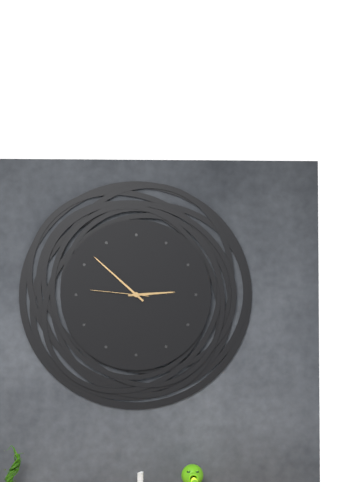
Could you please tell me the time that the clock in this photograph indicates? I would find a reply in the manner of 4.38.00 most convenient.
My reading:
2.52.46
